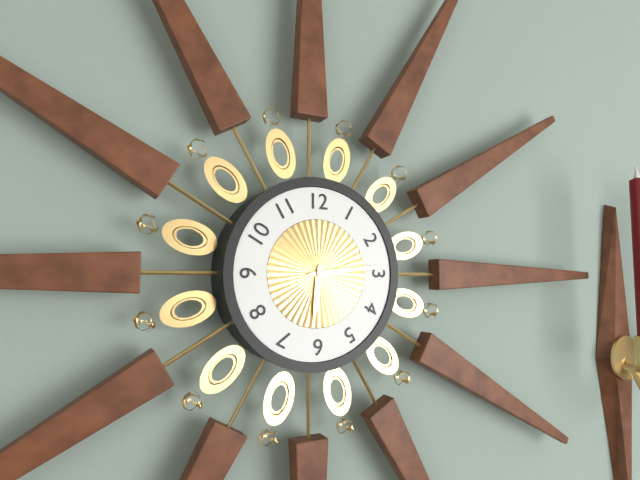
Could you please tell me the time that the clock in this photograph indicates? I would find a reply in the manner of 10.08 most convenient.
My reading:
6.14
